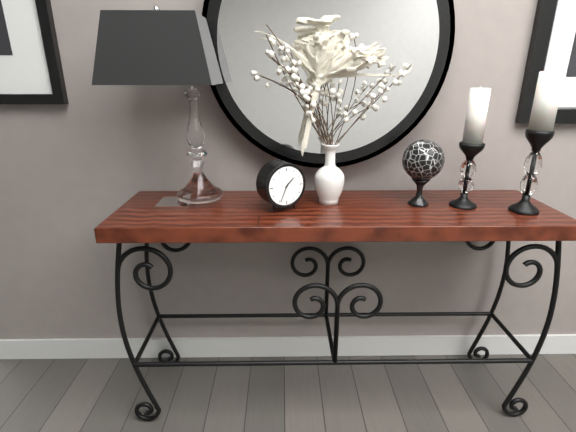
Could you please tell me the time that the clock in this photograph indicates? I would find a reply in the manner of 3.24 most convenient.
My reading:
1.34
